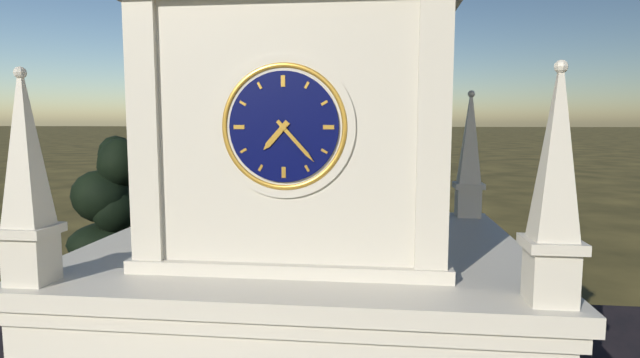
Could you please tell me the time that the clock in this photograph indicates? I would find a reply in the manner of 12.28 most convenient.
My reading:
7.23
